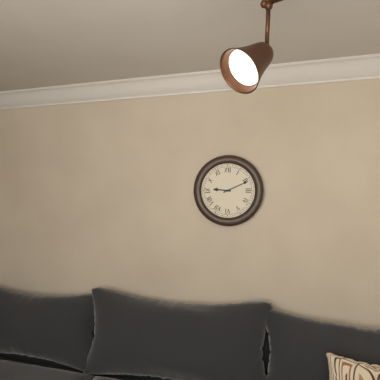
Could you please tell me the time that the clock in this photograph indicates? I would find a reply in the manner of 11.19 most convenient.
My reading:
9.11
